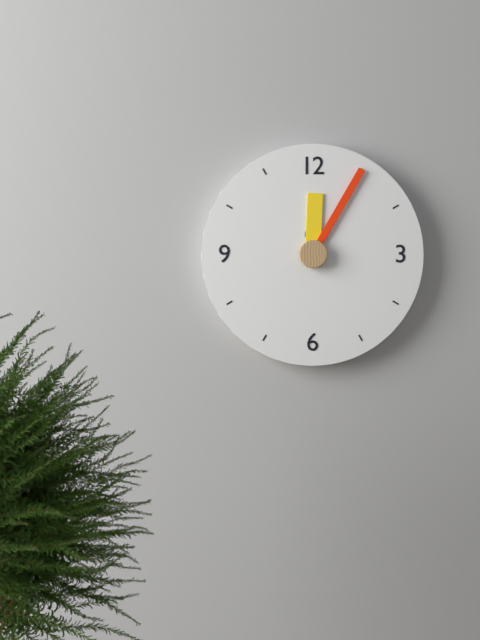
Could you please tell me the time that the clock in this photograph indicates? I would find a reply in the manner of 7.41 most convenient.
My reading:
12.05
